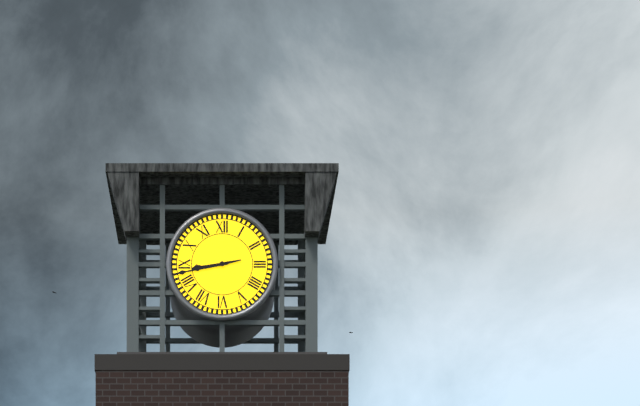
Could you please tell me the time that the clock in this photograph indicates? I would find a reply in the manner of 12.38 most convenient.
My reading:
8.43
